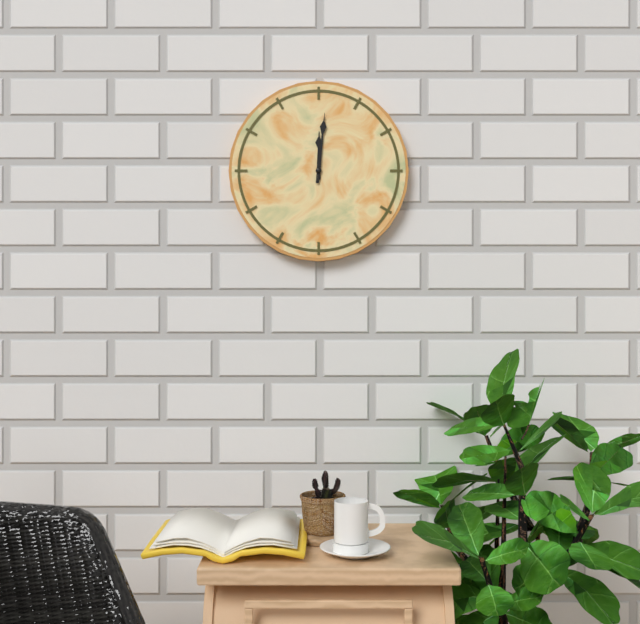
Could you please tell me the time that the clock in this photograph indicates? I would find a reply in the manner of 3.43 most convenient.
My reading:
12.01
